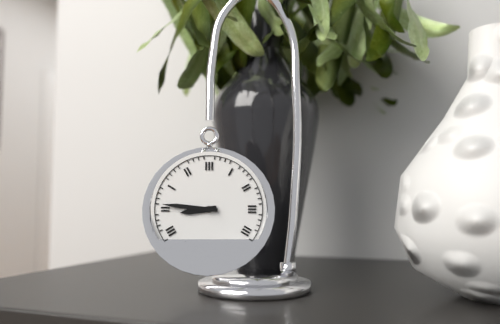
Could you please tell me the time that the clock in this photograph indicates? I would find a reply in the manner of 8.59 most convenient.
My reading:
8.46
